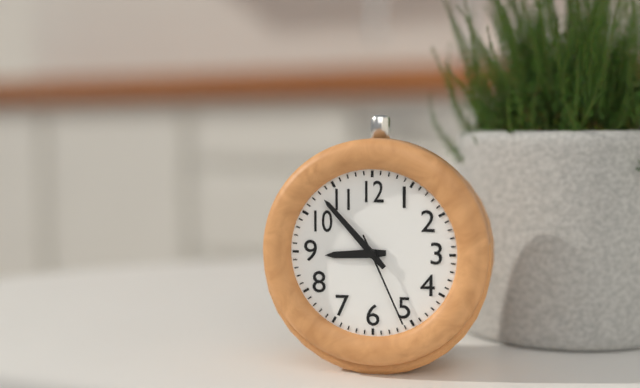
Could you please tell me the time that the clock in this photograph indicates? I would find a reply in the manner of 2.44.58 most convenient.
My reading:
8.53.26
